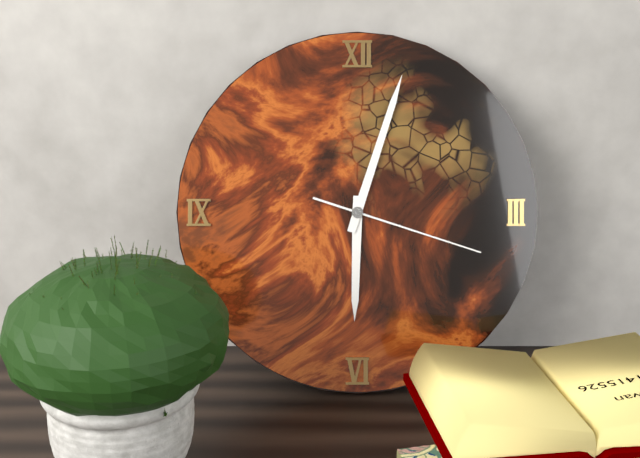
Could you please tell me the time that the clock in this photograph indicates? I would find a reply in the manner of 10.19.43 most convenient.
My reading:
6.03.18
